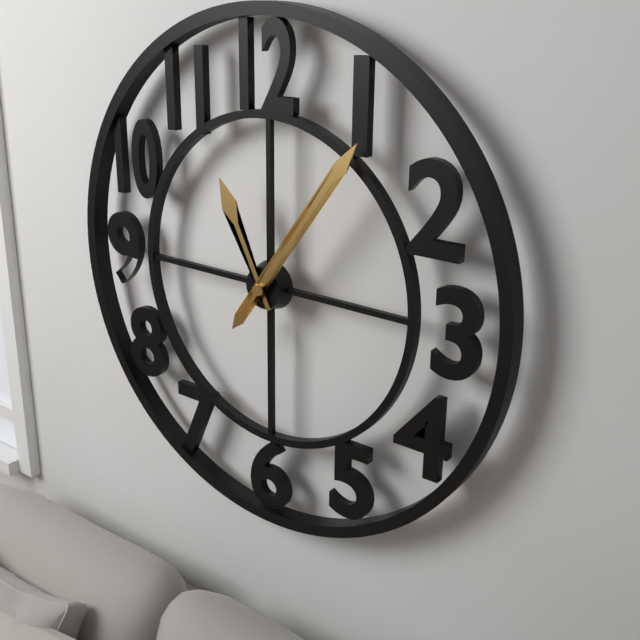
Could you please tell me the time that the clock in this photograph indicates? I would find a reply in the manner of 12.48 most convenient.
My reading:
11.06
